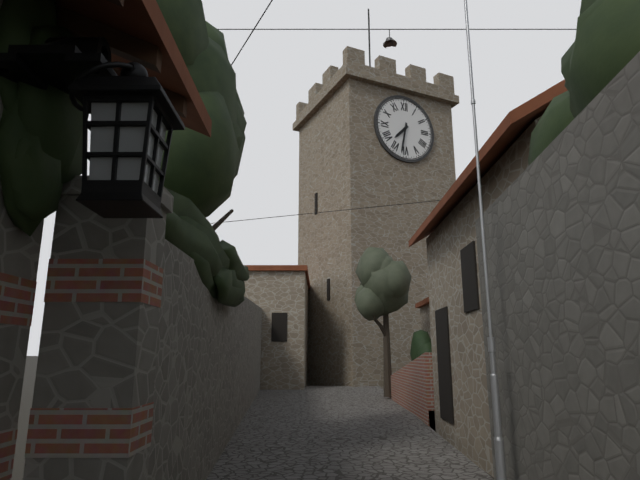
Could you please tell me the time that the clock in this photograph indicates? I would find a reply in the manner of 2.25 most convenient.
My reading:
7.32
